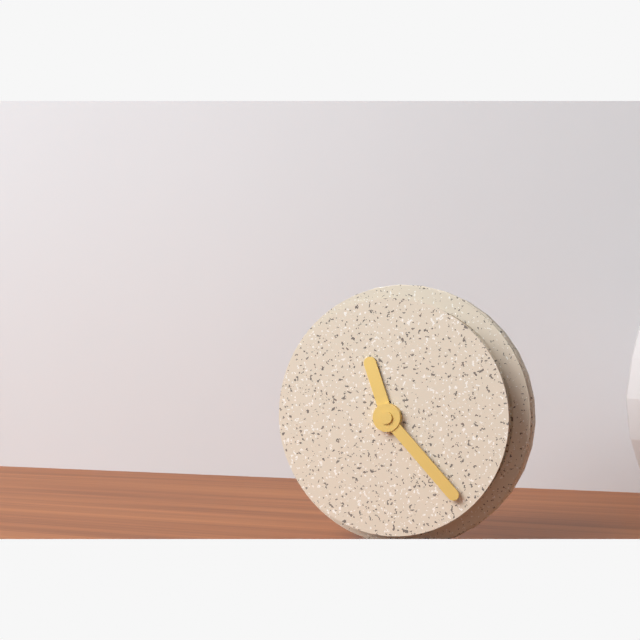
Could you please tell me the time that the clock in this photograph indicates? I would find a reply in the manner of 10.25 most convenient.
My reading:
11.23
